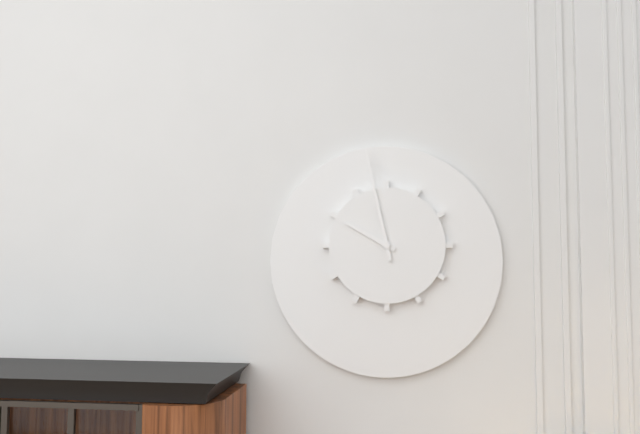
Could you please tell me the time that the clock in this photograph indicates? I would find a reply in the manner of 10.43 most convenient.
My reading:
9.58
